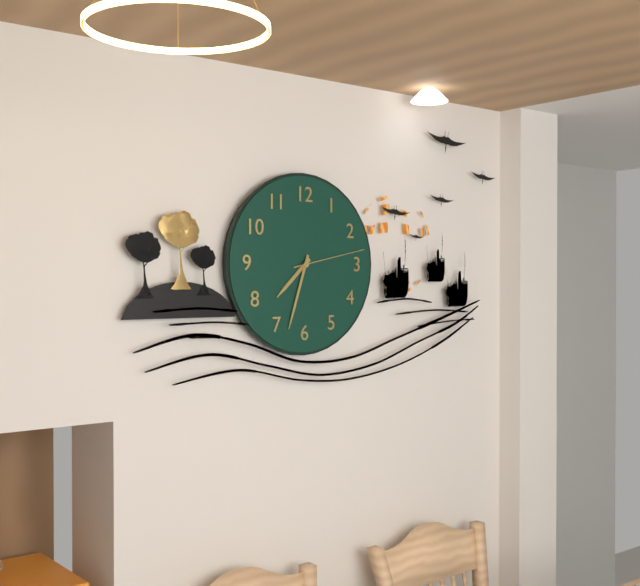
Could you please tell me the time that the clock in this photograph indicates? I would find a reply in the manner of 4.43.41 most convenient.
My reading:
7.33.13
